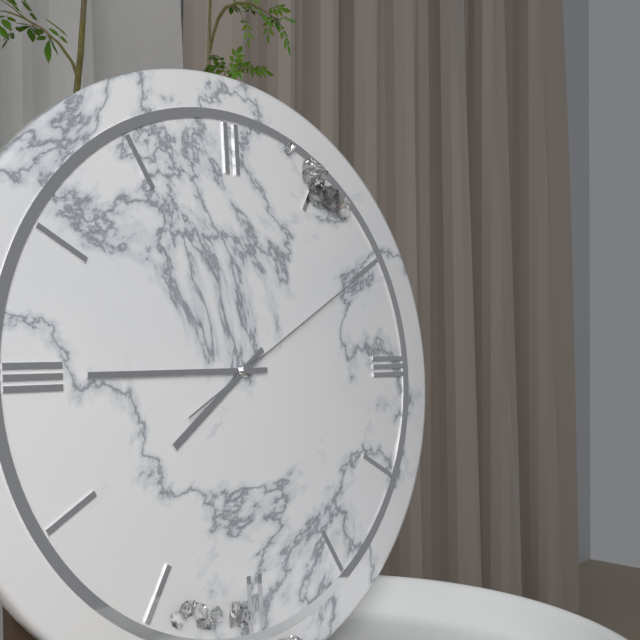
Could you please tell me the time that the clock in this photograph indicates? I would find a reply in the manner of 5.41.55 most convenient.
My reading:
7.45.10
